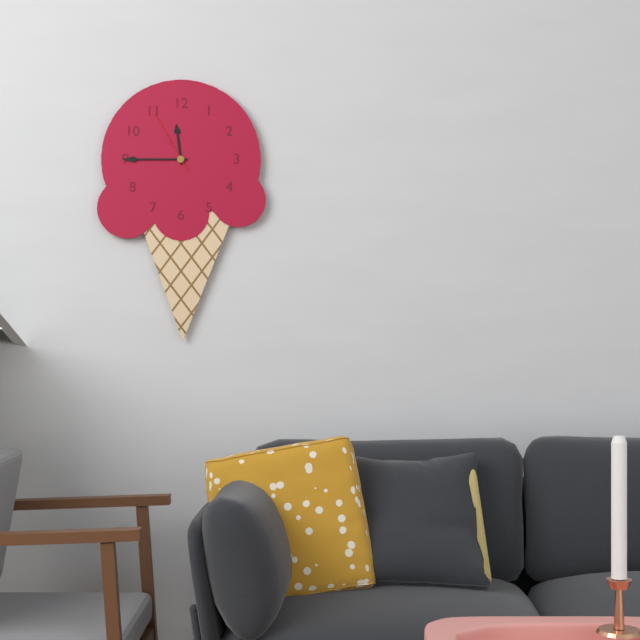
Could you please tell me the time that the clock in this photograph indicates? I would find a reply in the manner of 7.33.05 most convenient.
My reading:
11.45.55
